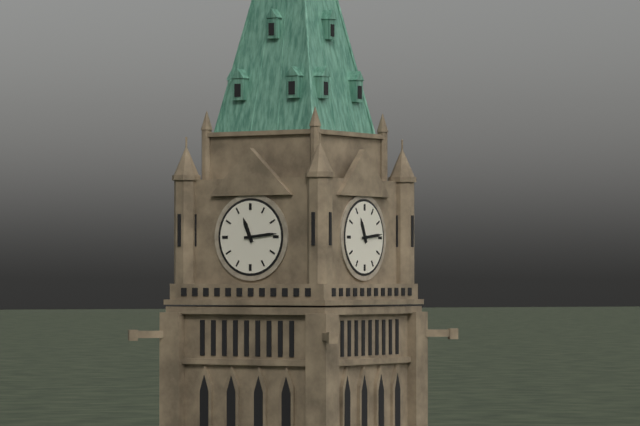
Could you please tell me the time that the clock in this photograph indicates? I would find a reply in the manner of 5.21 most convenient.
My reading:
11.14
